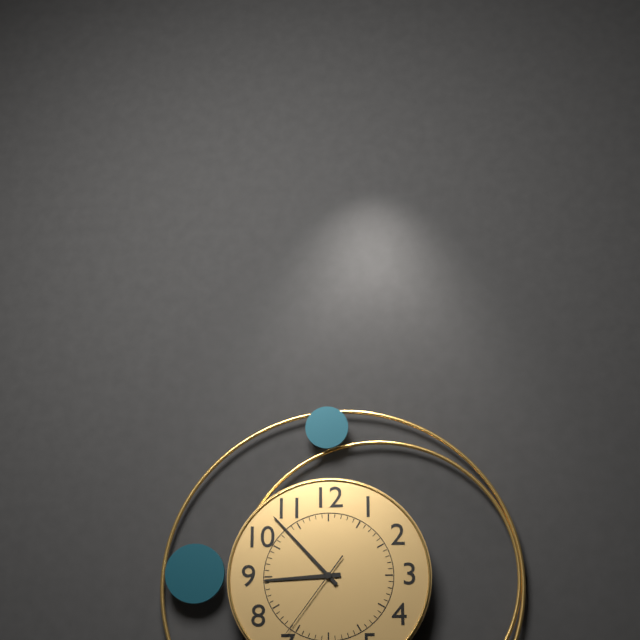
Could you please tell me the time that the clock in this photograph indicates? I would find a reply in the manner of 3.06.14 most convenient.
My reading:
8.53.36
